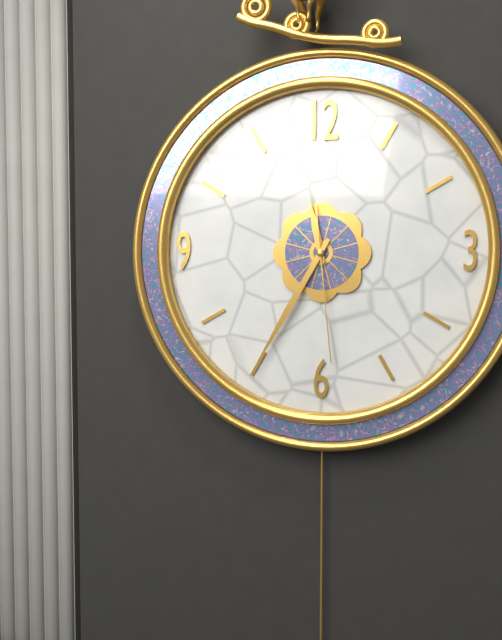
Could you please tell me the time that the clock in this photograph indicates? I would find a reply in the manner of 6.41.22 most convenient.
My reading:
11.35.29
